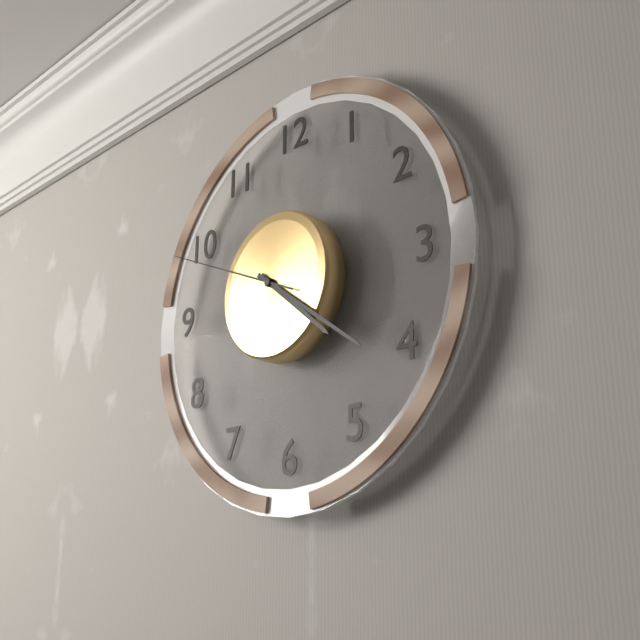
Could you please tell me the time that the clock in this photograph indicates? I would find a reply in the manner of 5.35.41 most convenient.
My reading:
4.21.49
